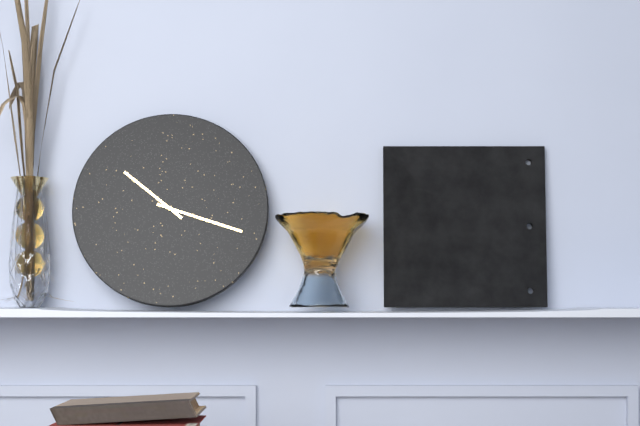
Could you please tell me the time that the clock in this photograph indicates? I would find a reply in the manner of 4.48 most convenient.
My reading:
10.18
